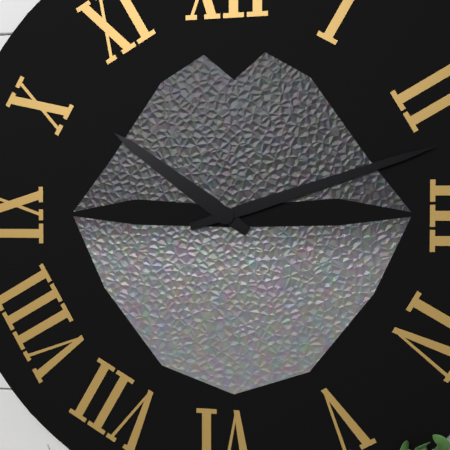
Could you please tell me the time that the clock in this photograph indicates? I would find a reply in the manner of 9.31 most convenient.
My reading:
10.12
